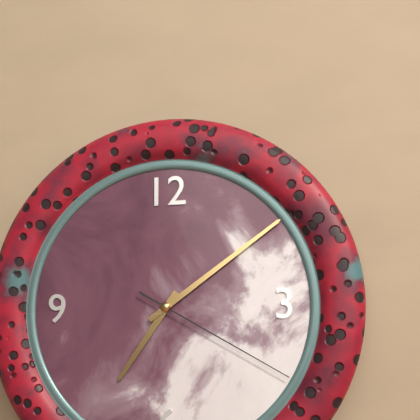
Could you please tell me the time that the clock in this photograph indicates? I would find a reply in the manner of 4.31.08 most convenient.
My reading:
7.09.20
